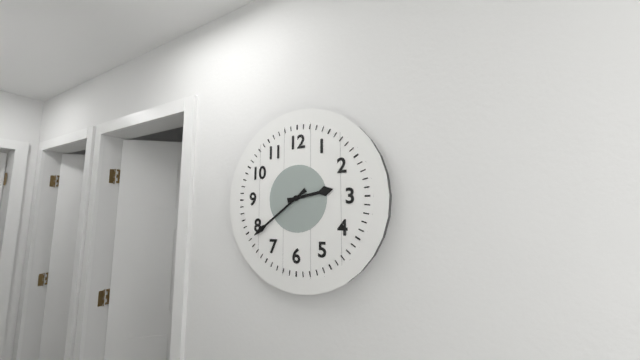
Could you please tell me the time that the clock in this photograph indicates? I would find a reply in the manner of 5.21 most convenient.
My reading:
2.39
